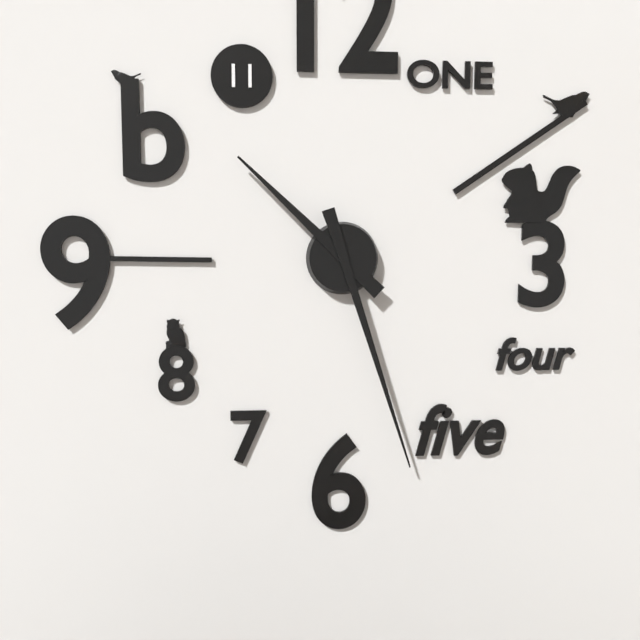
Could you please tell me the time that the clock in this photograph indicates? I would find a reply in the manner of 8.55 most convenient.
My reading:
10.27
